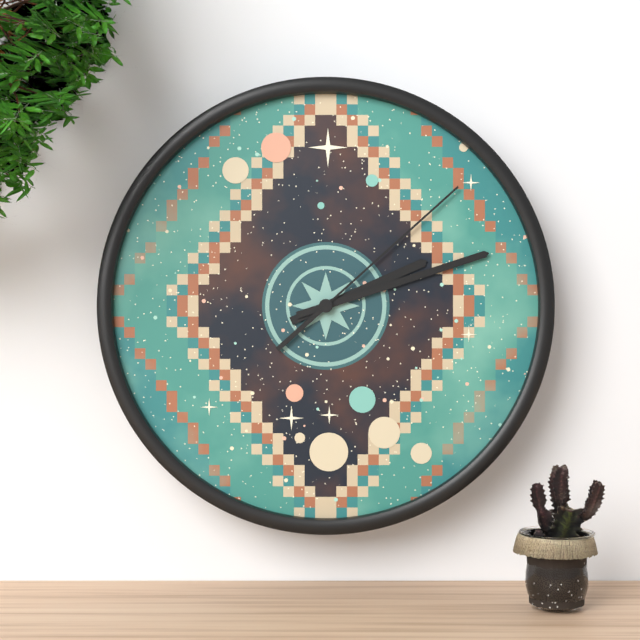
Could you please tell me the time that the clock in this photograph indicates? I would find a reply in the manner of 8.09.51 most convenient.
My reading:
2.12.08
